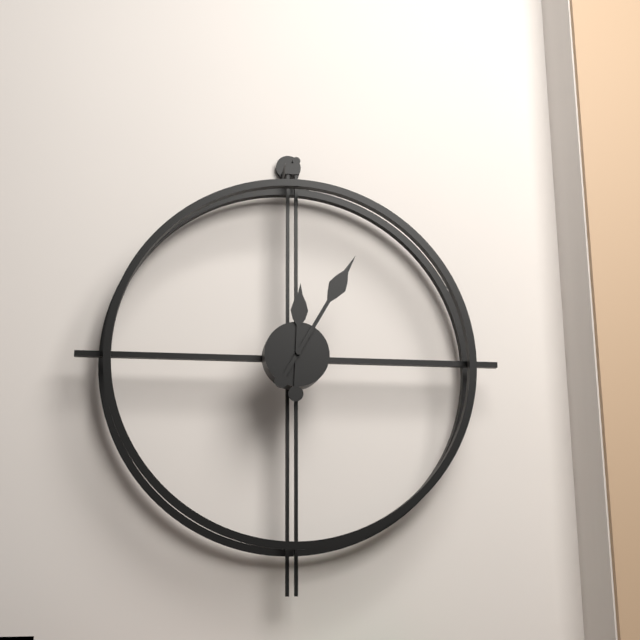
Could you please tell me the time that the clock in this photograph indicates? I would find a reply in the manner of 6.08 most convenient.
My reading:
12.05
